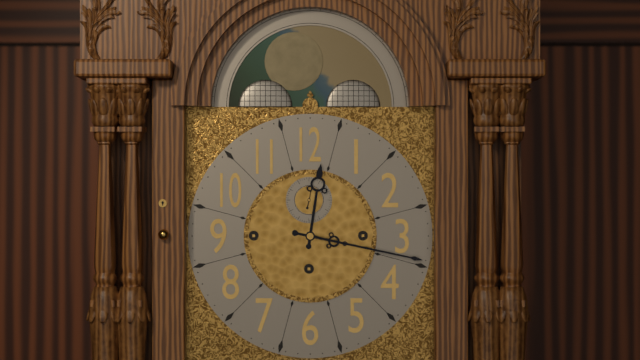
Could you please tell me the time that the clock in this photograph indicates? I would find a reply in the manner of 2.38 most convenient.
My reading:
12.17
